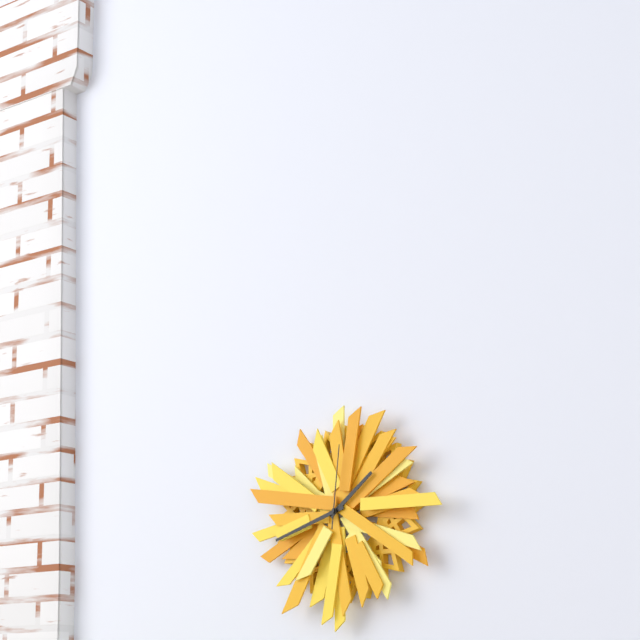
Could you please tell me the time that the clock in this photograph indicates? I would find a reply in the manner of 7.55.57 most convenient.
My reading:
1.42.01
